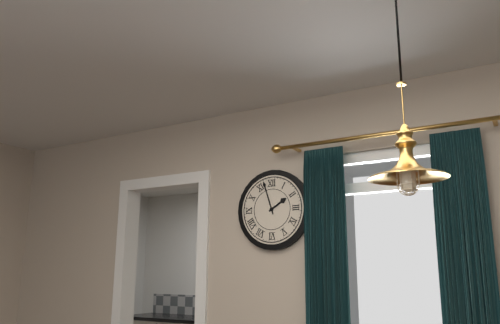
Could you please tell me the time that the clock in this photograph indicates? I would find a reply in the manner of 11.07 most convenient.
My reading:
1.57
